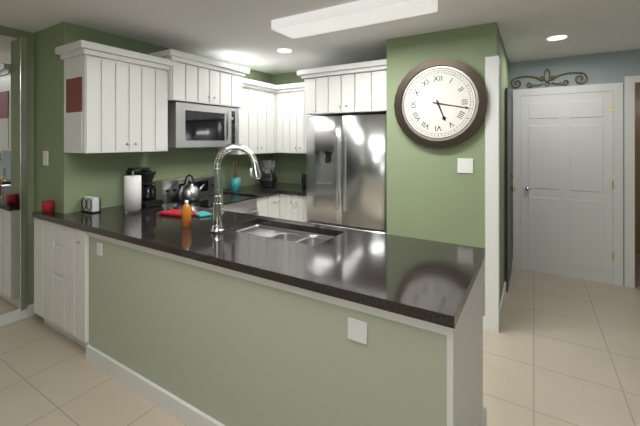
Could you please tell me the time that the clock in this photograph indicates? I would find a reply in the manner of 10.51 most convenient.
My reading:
5.17
